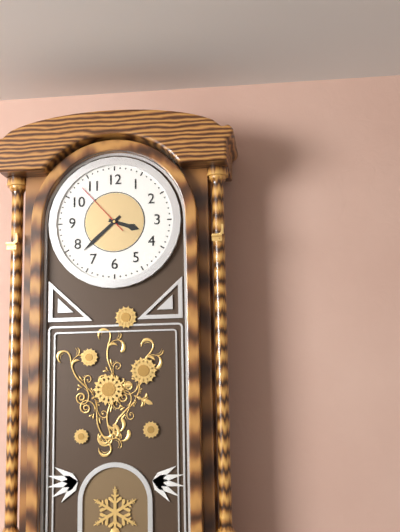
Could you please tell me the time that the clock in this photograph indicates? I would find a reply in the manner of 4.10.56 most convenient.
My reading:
3.38.53
